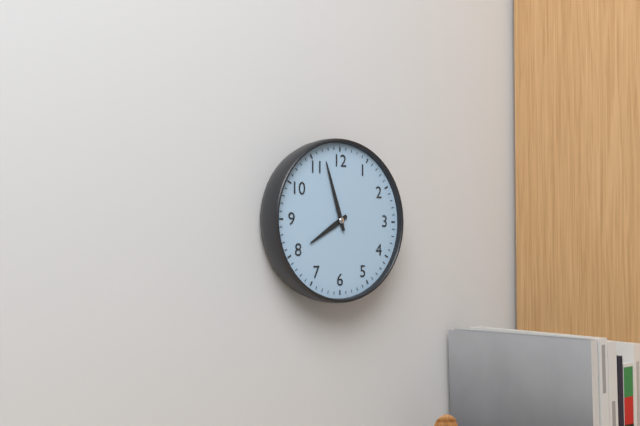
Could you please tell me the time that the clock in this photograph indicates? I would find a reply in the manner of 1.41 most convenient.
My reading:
7.57
